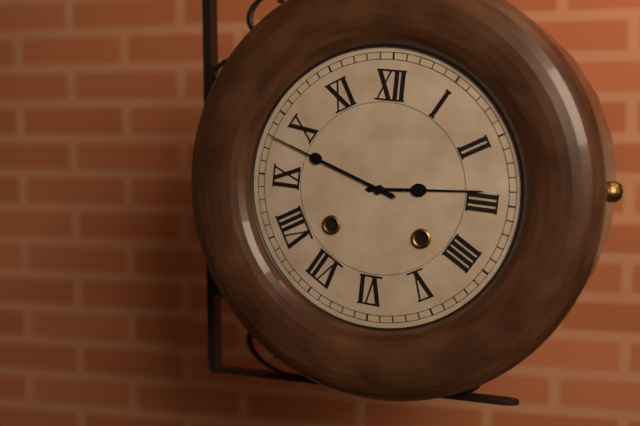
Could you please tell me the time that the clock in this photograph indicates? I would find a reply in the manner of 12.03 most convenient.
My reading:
2.48
